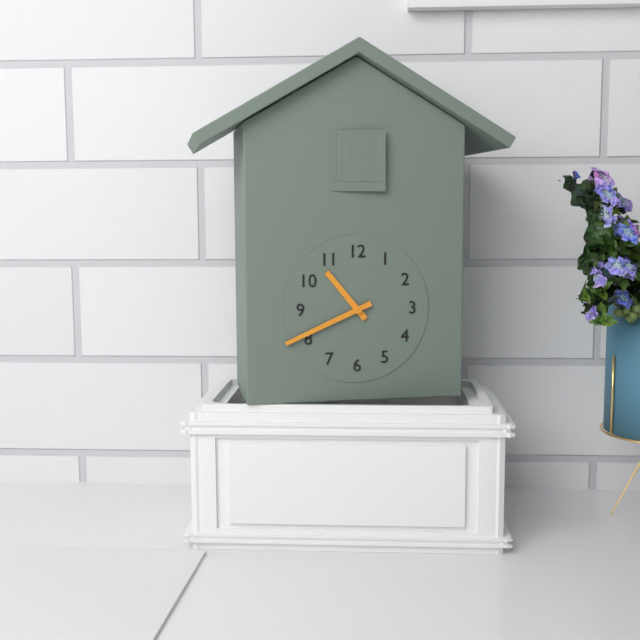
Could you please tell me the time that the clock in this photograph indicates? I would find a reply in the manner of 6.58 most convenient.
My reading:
10.41
